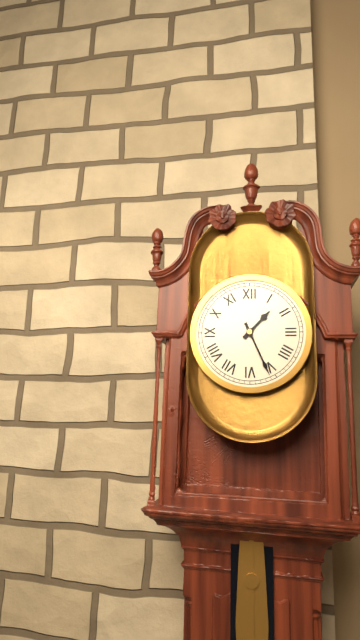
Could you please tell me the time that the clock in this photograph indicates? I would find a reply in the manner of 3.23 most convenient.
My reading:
1.26
